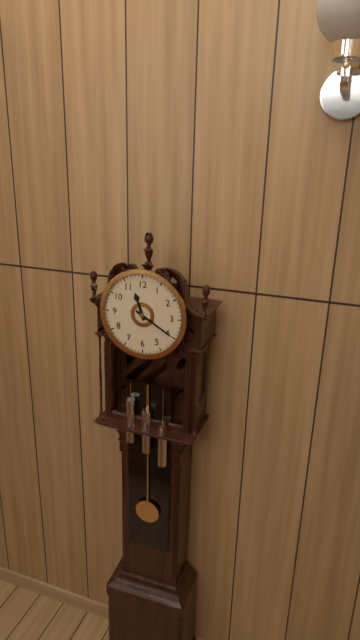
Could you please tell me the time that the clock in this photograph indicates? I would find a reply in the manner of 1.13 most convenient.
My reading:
11.20
